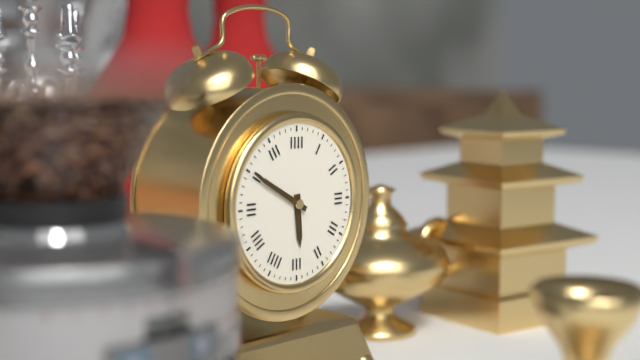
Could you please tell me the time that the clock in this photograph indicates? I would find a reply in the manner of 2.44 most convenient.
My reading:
5.50
